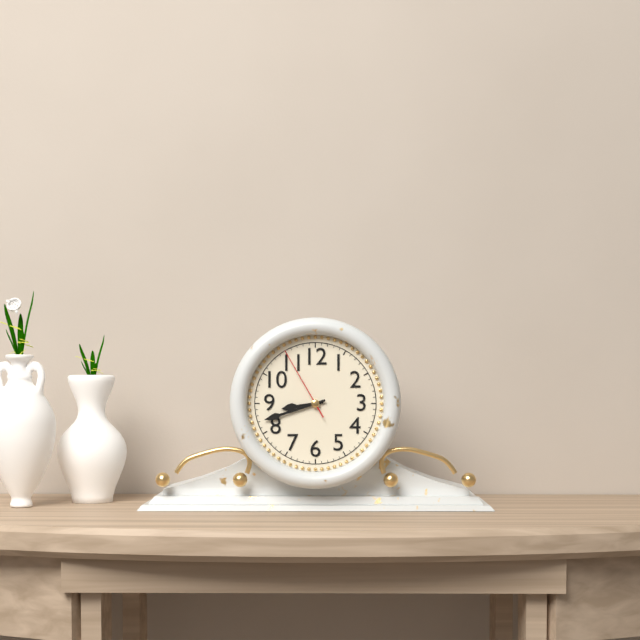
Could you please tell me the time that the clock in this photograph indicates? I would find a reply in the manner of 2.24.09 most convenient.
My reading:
8.42.55
